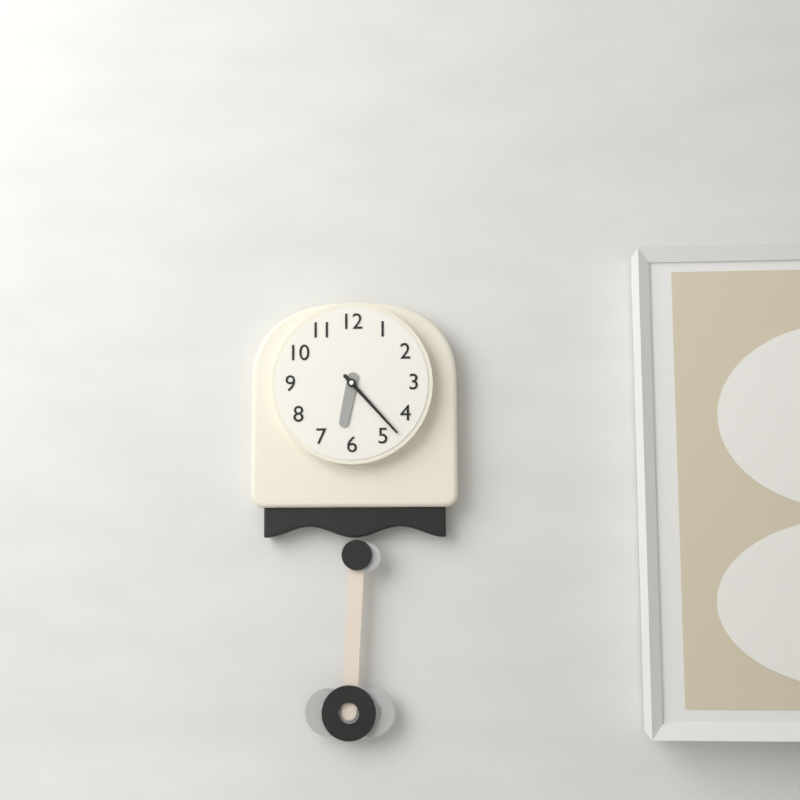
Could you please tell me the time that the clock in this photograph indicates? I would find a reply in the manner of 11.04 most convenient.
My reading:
6.23
